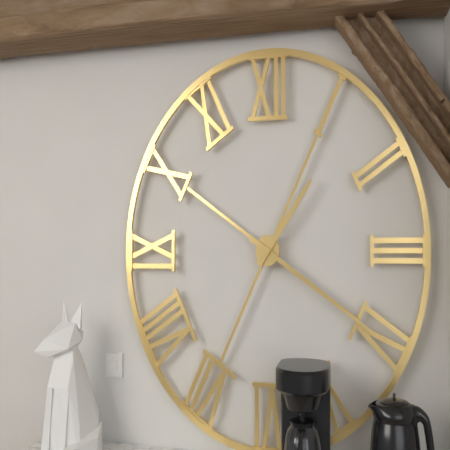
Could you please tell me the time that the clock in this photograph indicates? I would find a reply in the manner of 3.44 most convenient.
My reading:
1.20
